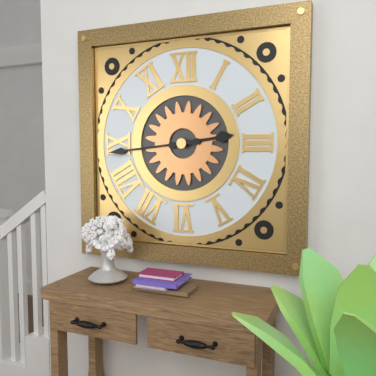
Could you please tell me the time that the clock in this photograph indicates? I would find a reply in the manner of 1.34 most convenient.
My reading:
2.44
